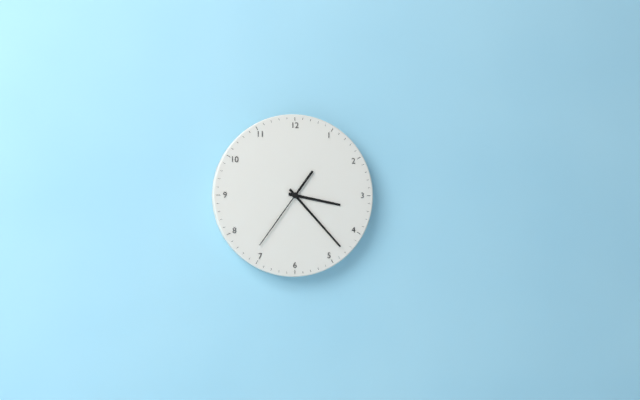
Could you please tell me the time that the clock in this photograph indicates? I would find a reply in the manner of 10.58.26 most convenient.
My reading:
3.23.36
